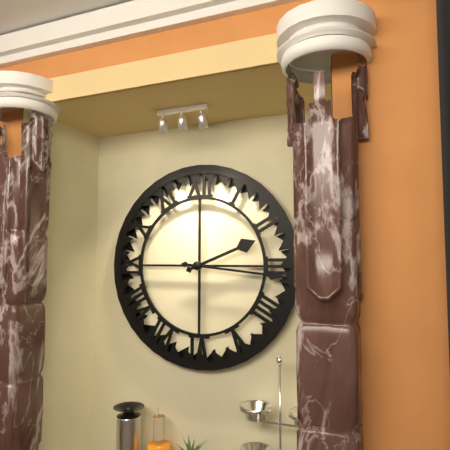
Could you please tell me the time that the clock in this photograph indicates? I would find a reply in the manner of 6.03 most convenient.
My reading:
2.16
